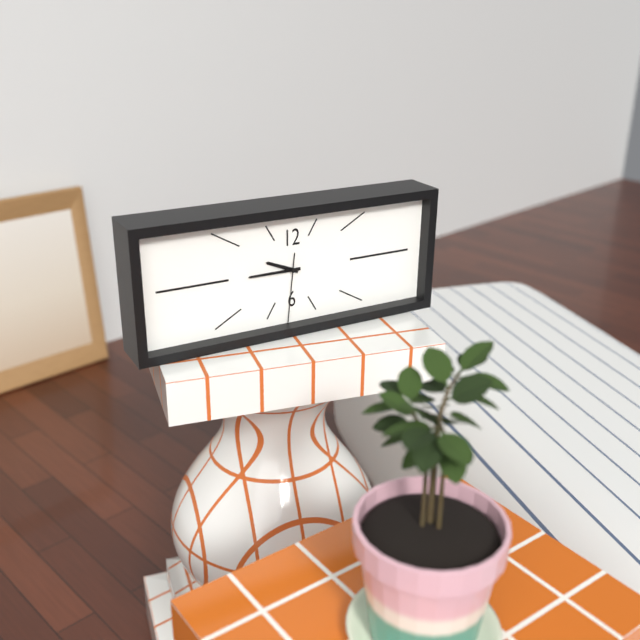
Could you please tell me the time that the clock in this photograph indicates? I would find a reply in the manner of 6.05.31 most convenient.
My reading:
9.45.31
